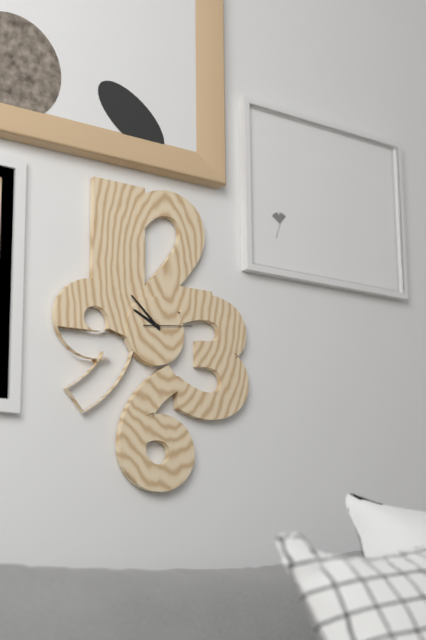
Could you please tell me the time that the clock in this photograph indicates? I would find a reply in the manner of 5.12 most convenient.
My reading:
9.52
